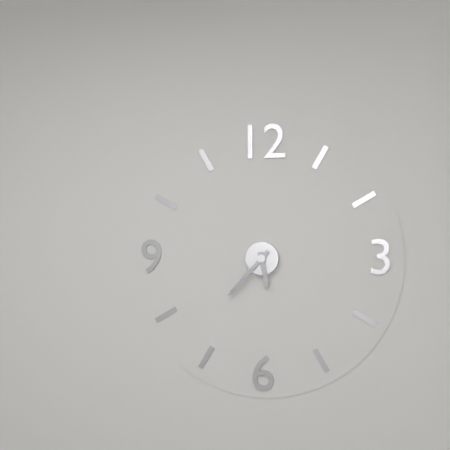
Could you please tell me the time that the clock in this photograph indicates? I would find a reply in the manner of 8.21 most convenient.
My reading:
5.37
